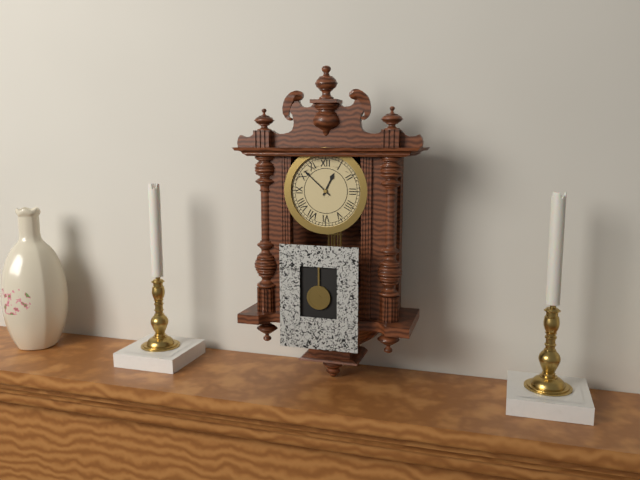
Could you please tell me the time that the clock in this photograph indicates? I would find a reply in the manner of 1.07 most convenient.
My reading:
12.52
